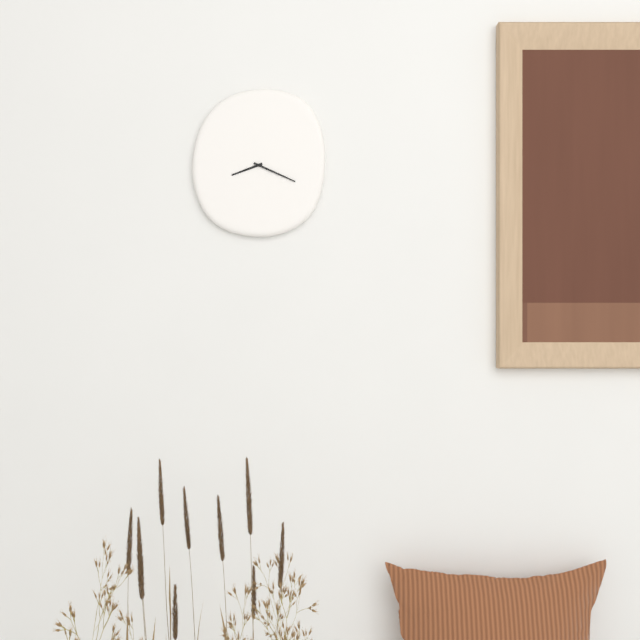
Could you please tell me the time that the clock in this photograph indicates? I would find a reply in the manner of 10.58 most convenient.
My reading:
8.19
